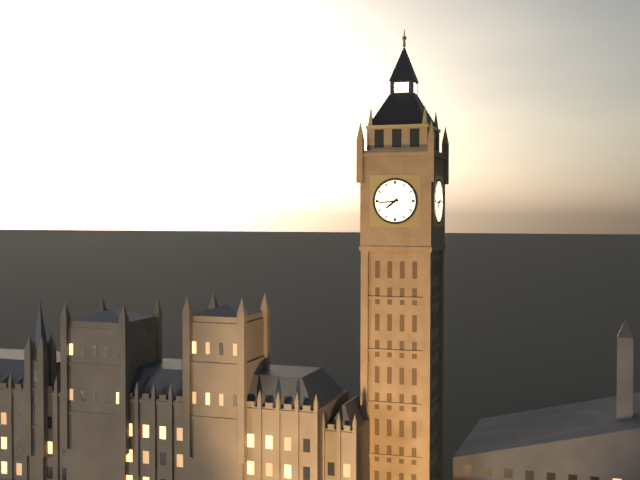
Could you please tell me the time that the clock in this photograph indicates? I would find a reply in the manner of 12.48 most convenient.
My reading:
7.44
